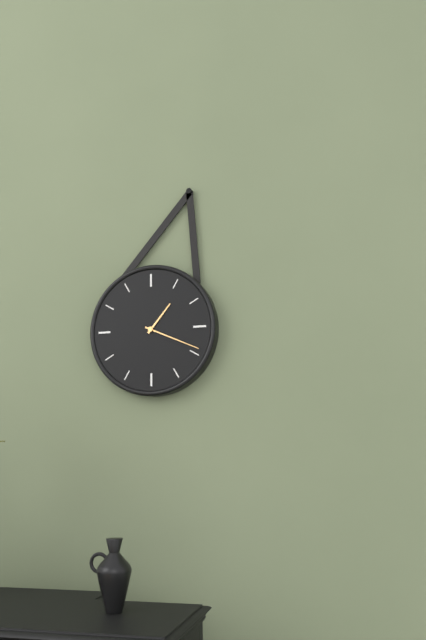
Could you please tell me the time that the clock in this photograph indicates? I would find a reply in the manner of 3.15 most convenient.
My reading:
1.19
